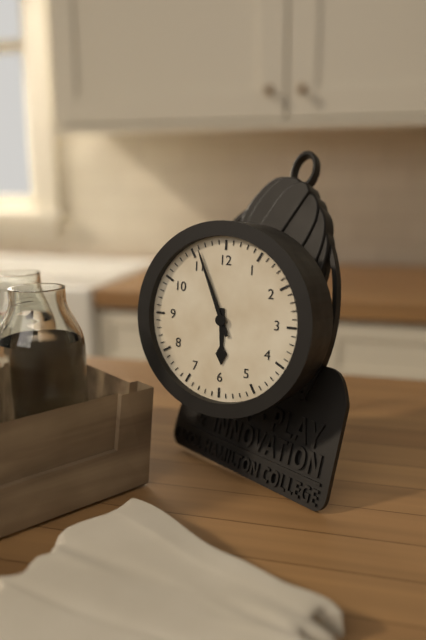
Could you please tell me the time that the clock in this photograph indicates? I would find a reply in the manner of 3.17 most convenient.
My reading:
5.56
